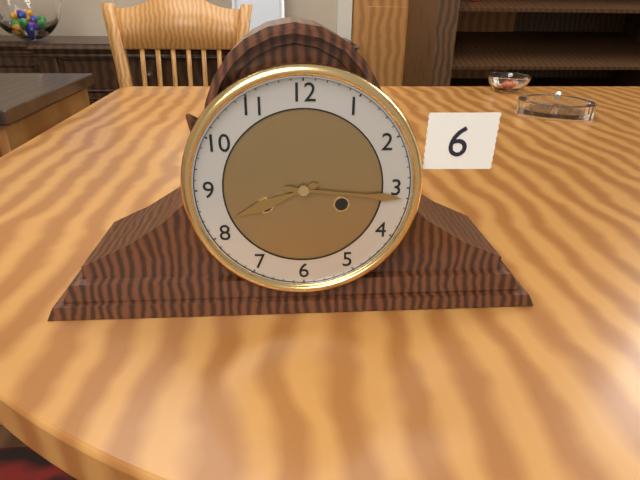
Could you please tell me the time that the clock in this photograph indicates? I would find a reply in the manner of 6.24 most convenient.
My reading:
8.16
